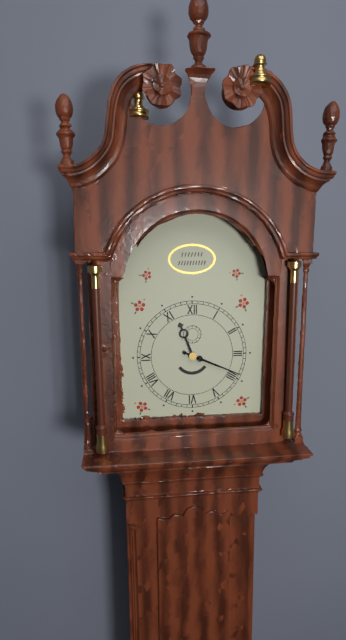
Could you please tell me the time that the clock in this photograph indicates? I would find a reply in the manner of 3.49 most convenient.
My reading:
11.19
